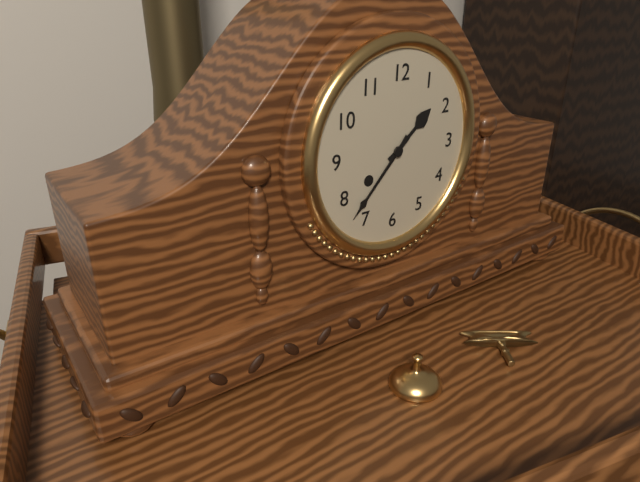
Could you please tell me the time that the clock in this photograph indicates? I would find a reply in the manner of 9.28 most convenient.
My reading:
1.37
